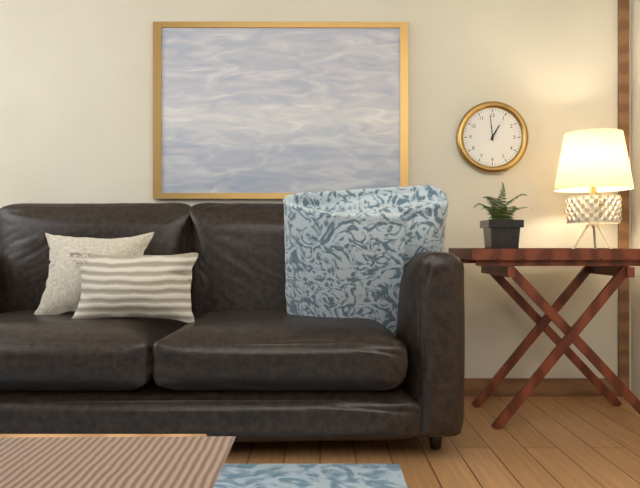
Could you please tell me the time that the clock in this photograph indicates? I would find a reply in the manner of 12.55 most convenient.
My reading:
12.59
